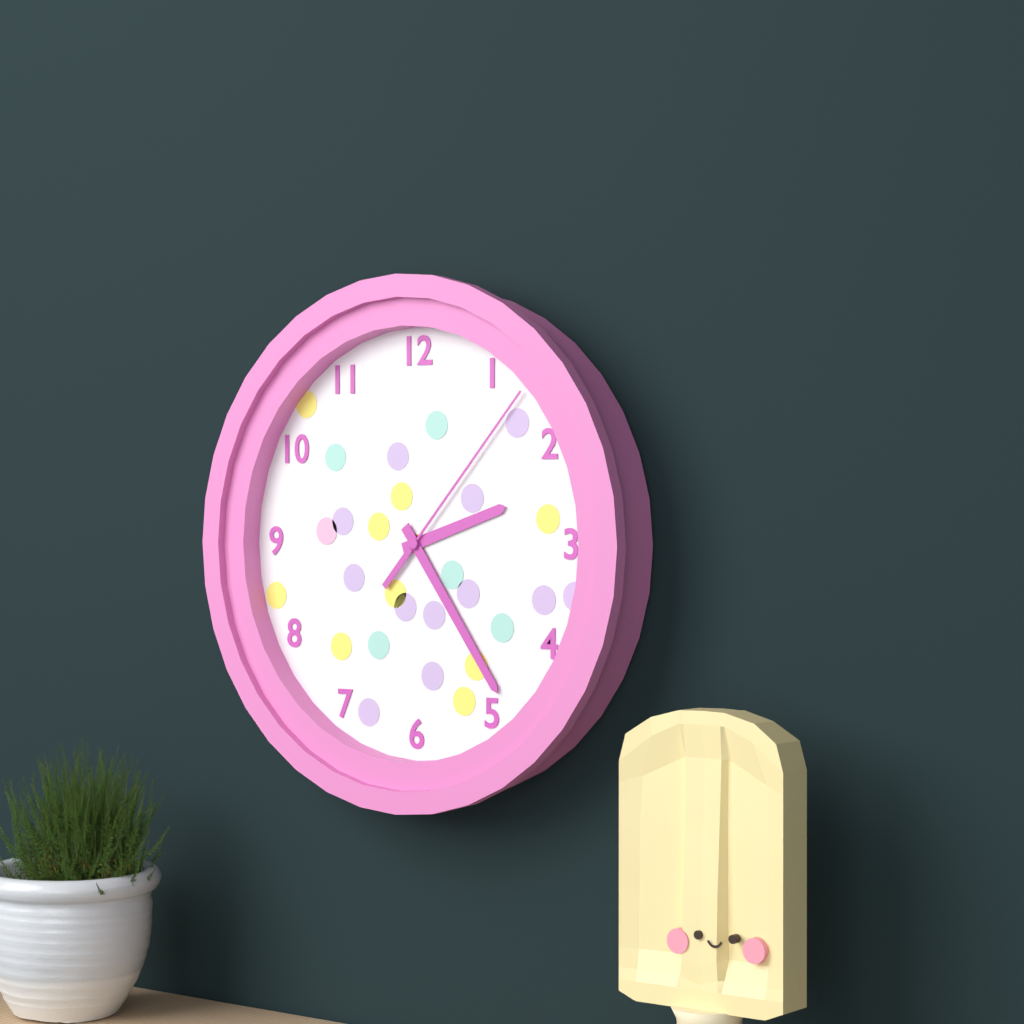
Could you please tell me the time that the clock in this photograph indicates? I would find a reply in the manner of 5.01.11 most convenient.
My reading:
2.24.07
